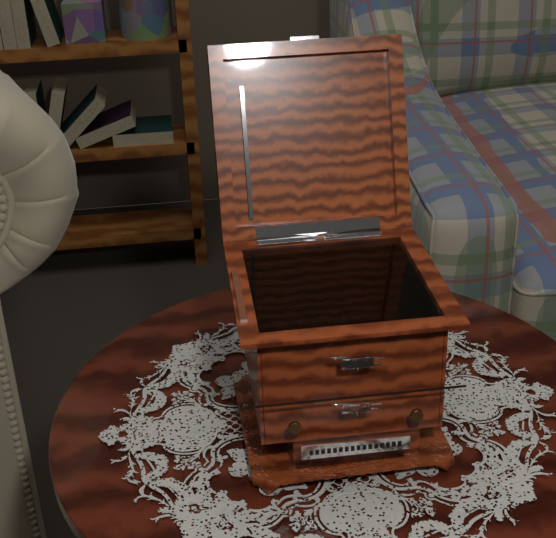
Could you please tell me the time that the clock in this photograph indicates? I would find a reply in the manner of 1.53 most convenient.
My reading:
12.59
